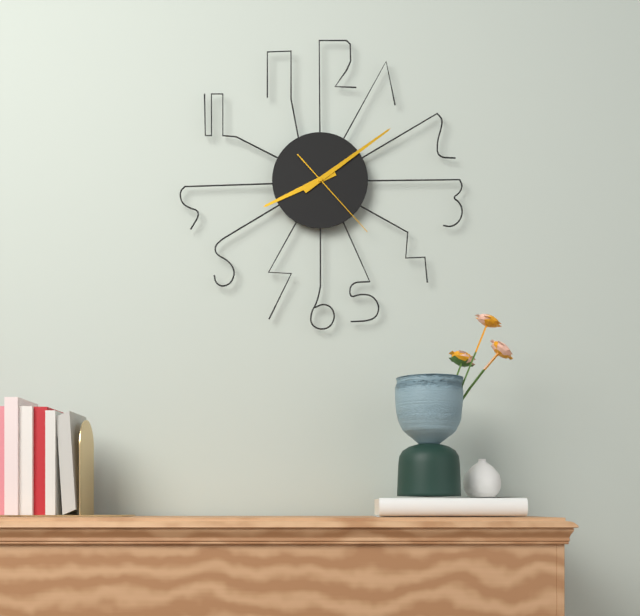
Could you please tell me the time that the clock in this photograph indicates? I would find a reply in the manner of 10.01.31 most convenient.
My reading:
8.09.23
